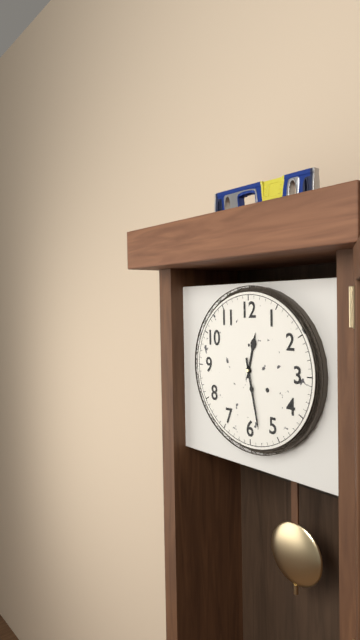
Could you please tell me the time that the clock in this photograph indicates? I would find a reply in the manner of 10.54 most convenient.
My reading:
12.28
